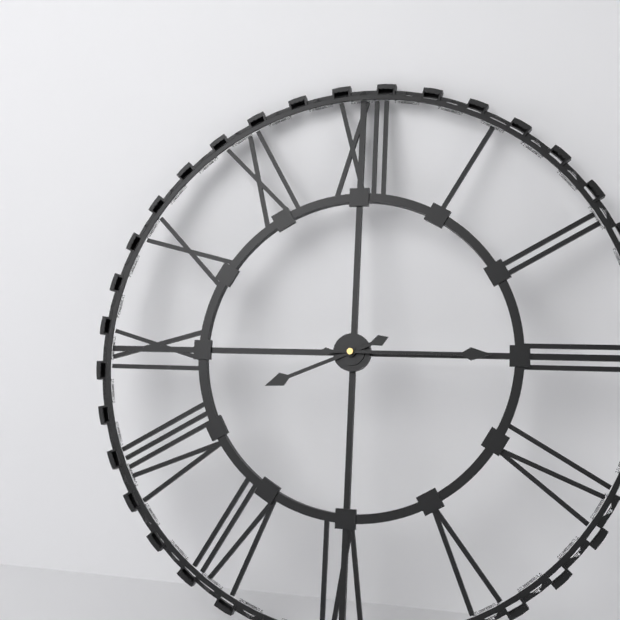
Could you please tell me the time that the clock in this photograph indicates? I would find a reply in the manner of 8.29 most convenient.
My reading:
8.15
